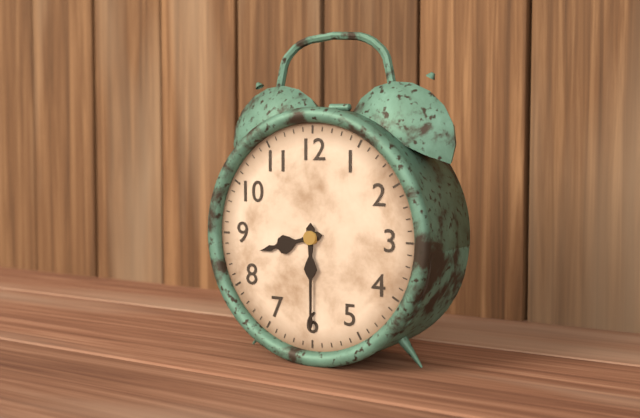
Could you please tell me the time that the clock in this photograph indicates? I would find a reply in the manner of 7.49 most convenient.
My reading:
8.30
